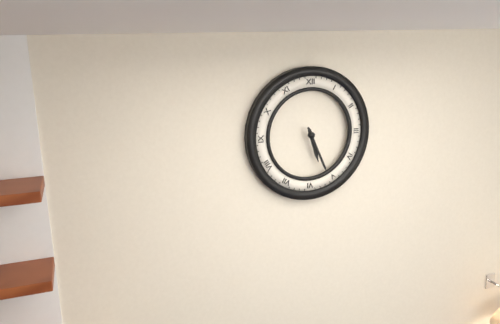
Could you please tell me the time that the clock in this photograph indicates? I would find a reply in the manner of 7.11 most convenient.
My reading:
5.26
